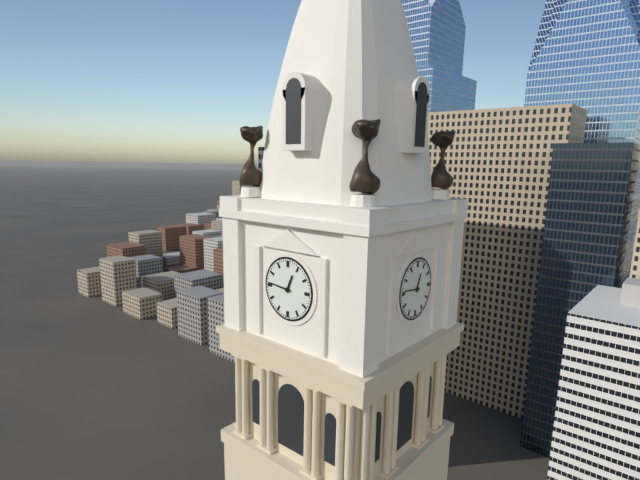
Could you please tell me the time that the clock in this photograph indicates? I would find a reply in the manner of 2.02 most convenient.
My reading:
12.46
